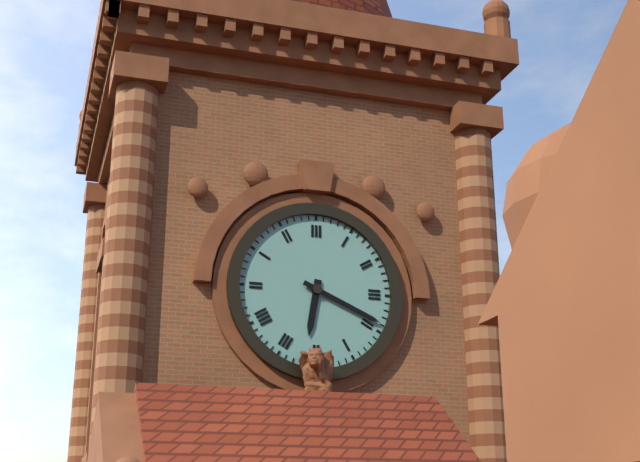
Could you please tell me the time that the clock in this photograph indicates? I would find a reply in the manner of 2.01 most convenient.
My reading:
6.19
